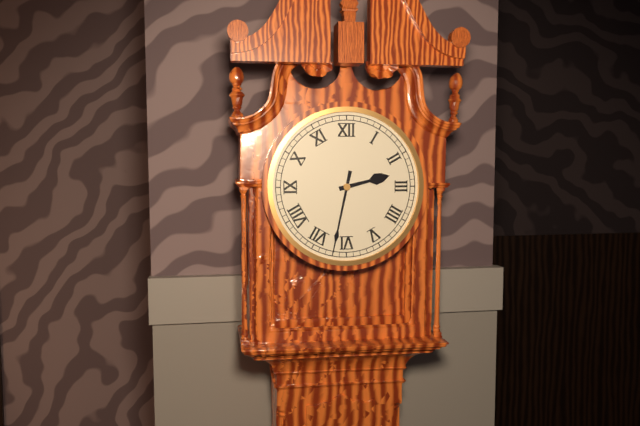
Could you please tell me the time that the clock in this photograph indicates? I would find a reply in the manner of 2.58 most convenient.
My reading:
2.32
